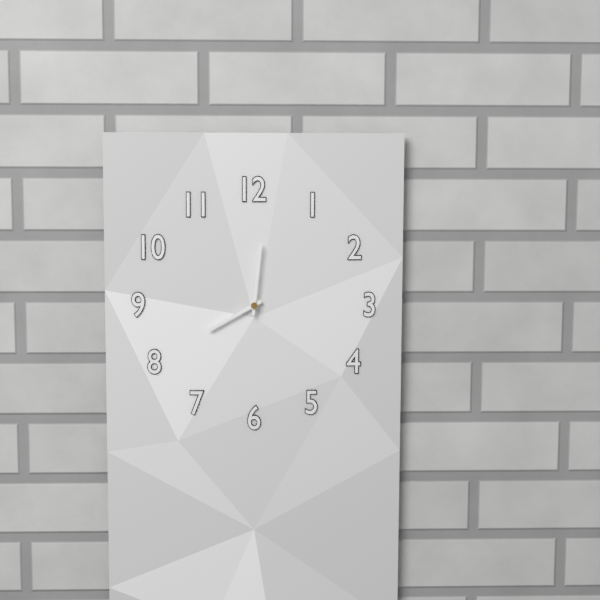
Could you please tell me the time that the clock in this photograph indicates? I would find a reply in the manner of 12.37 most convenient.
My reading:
8.01
